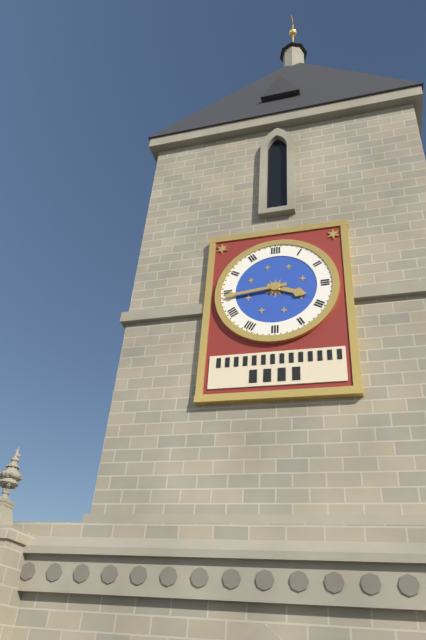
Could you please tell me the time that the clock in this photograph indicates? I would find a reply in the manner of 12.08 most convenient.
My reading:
3.44
